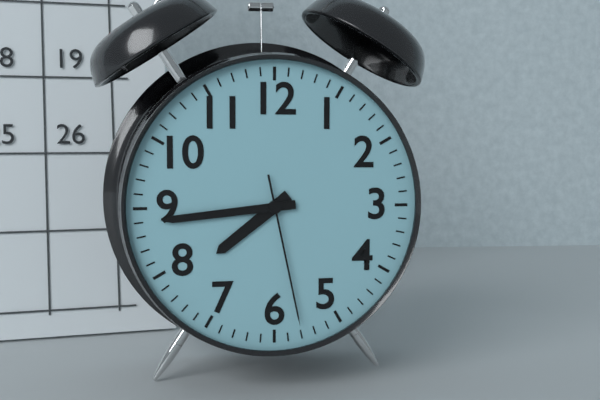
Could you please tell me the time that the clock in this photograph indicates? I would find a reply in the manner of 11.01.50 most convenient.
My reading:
7.44.28
